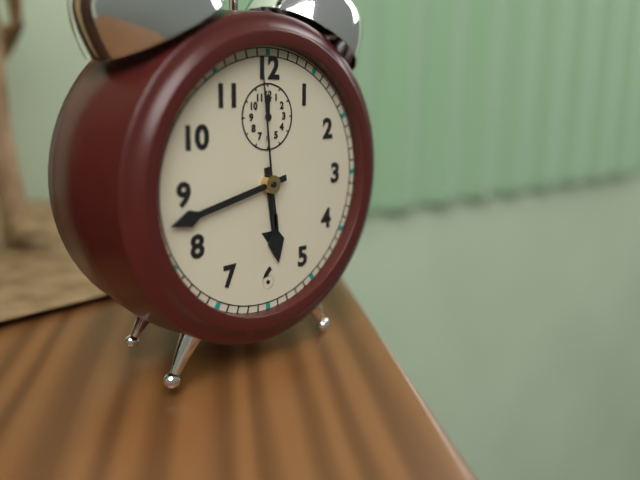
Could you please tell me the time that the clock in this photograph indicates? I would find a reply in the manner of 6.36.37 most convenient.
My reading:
5.43.59
